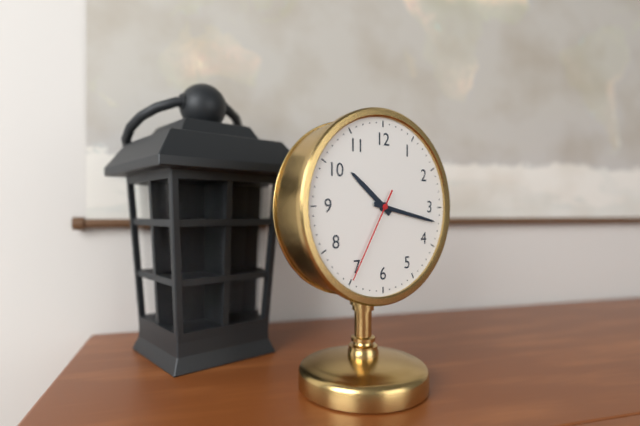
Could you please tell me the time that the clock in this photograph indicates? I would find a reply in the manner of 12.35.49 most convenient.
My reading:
10.17.35
